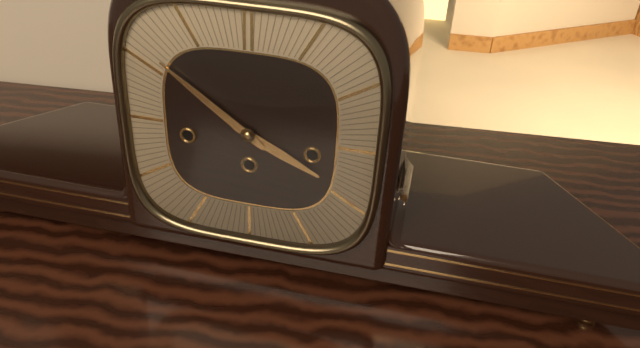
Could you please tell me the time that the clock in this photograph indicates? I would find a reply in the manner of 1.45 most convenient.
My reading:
3.51
